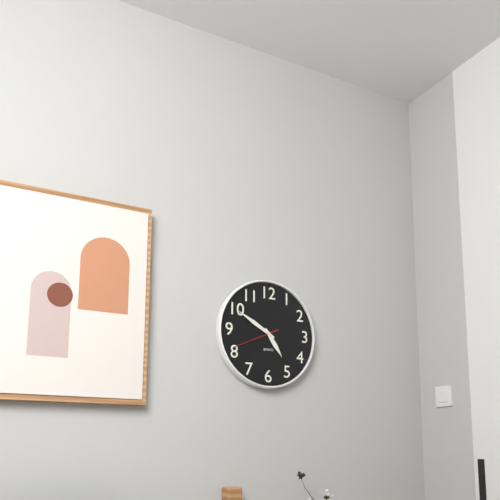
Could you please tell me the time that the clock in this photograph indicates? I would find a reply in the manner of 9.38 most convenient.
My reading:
4.50
